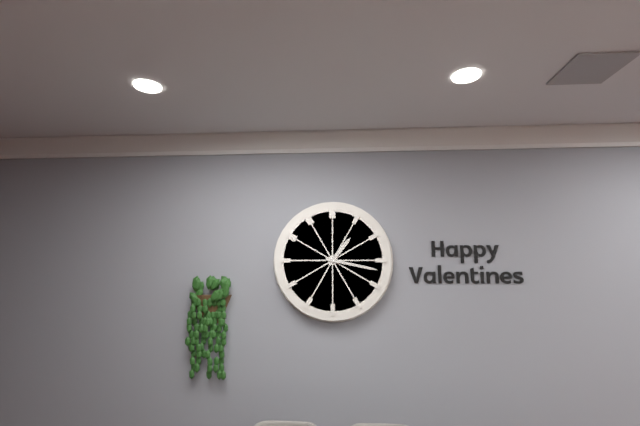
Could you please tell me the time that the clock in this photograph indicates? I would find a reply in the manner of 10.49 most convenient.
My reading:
1.17
